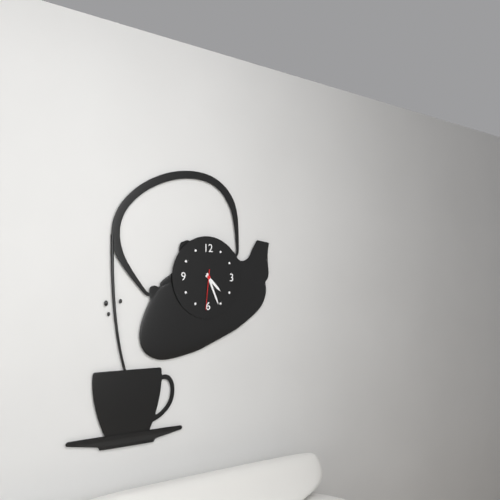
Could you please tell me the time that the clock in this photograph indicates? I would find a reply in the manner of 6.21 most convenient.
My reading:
4.26
